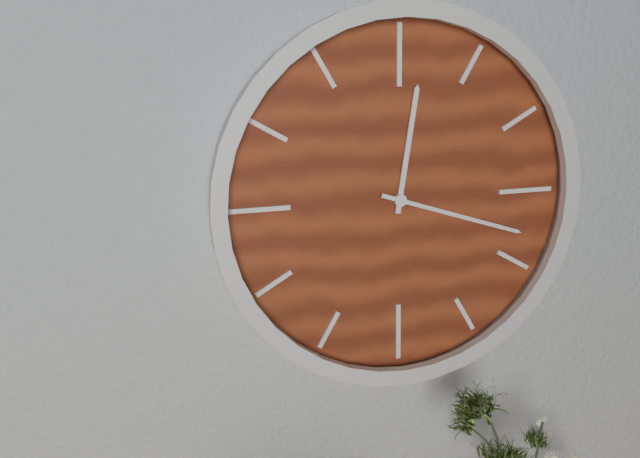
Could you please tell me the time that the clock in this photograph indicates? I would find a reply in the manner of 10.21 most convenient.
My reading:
12.18
